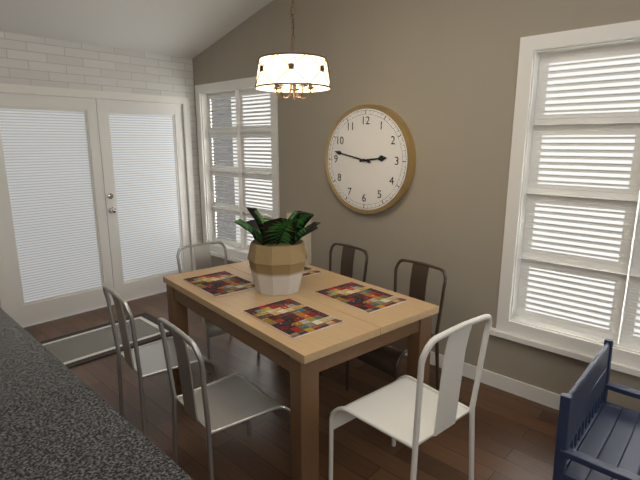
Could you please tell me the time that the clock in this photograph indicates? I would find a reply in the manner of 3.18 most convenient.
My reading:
2.47
